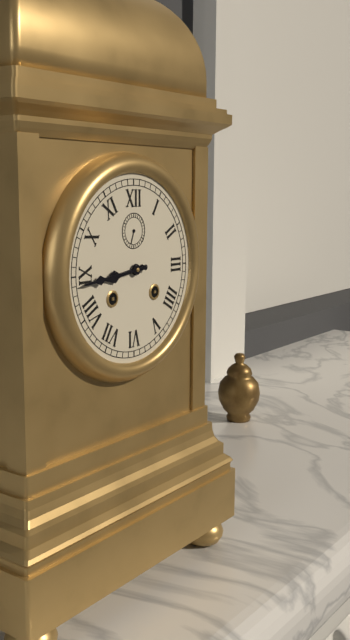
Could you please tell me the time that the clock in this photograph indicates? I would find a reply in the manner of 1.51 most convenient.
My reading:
8.44
